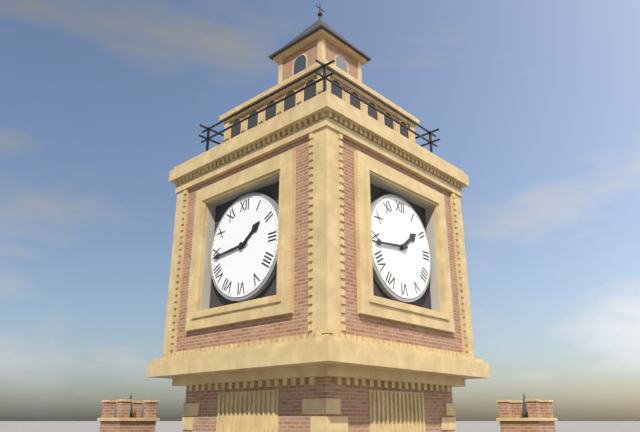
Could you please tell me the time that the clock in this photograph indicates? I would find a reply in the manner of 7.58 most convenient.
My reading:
1.44
